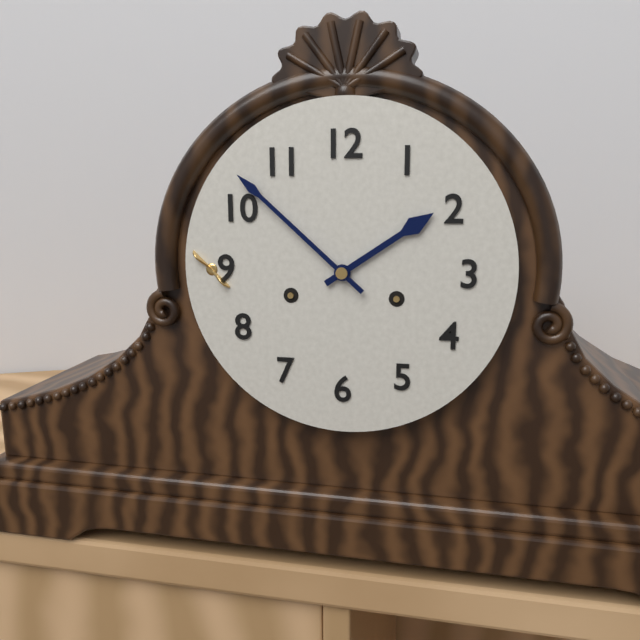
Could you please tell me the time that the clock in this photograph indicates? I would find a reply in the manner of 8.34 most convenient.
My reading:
1.52
